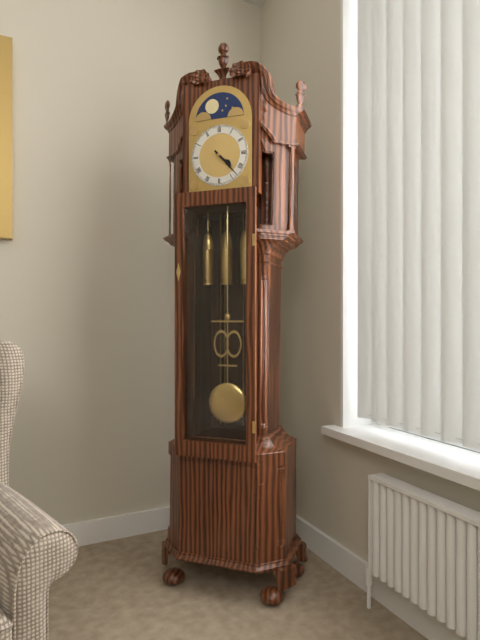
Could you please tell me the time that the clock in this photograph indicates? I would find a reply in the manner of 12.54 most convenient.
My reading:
4.23
